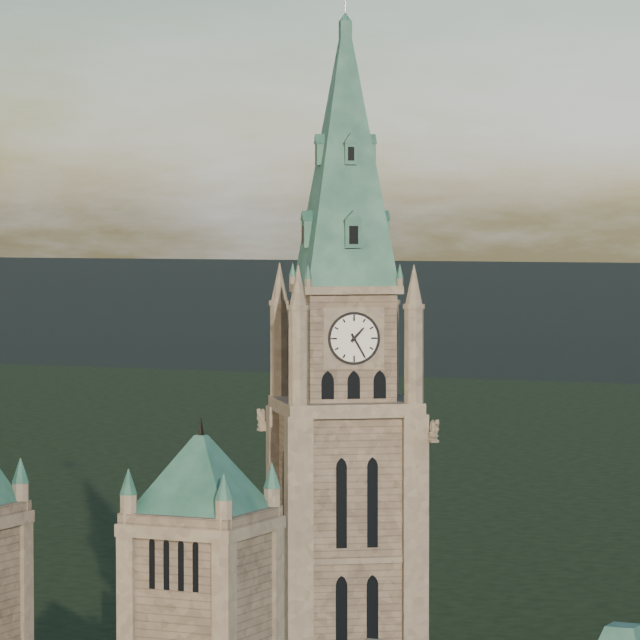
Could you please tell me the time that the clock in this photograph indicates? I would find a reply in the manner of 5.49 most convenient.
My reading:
1.25
